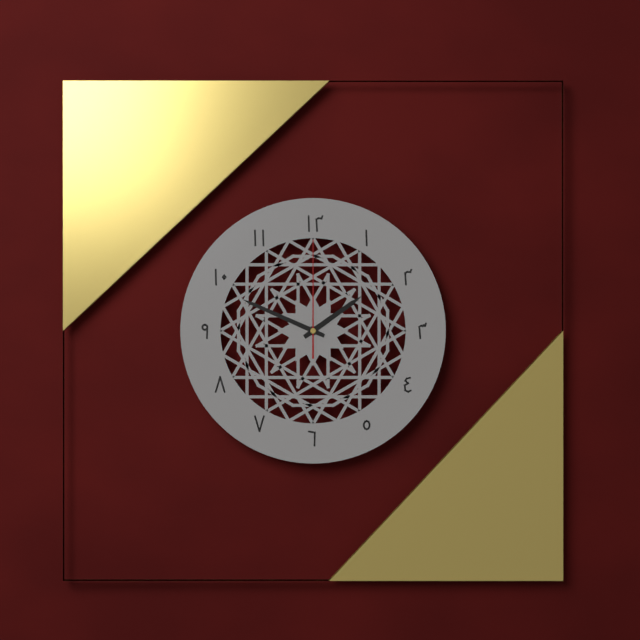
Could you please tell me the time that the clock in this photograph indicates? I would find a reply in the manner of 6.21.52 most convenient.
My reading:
1.49.00
